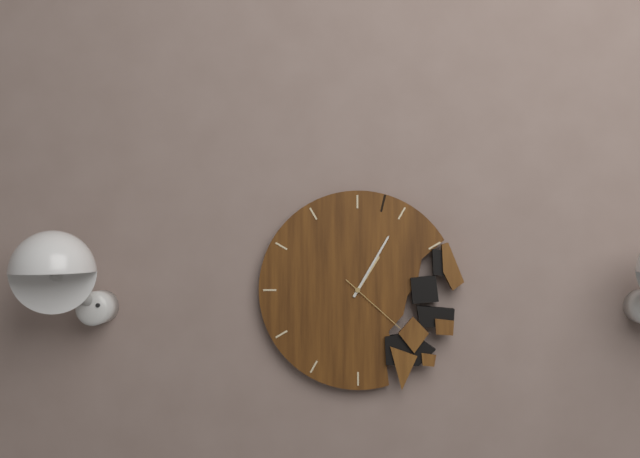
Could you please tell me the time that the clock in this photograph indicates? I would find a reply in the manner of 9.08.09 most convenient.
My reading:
1.05.22
